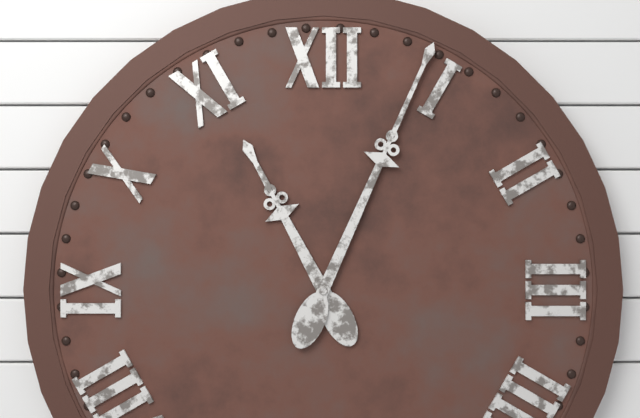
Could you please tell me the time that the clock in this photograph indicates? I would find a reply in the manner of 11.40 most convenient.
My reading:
11.04
